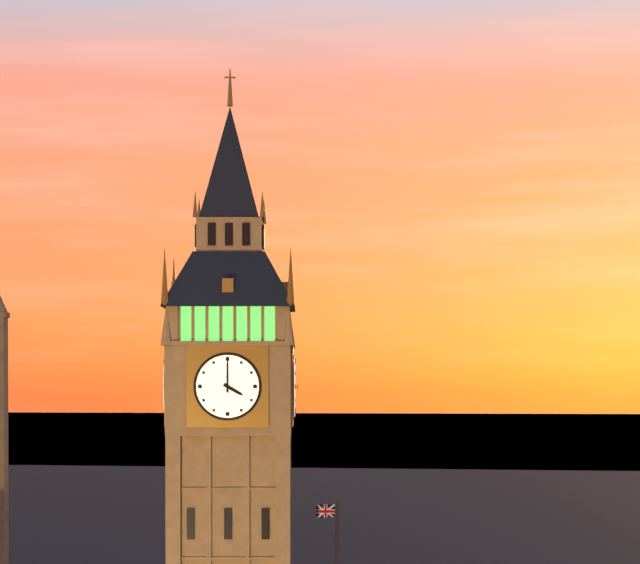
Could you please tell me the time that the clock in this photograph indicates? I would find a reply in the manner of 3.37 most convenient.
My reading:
4.00
